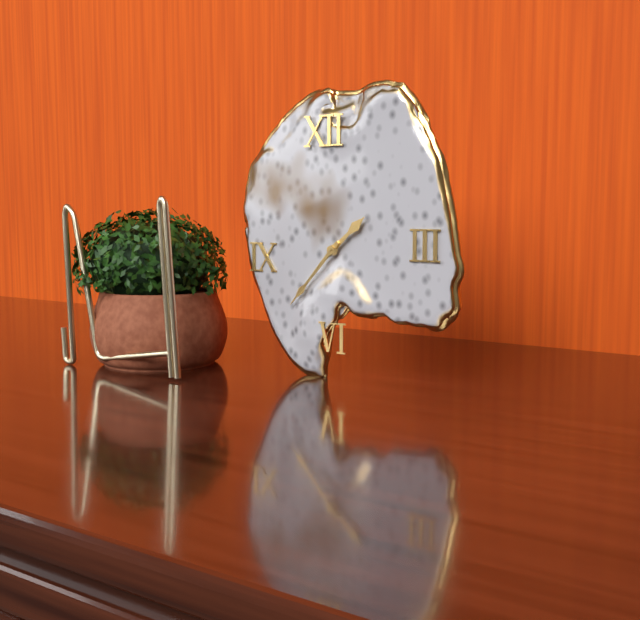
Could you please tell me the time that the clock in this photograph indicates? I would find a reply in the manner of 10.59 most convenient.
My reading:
1.37
